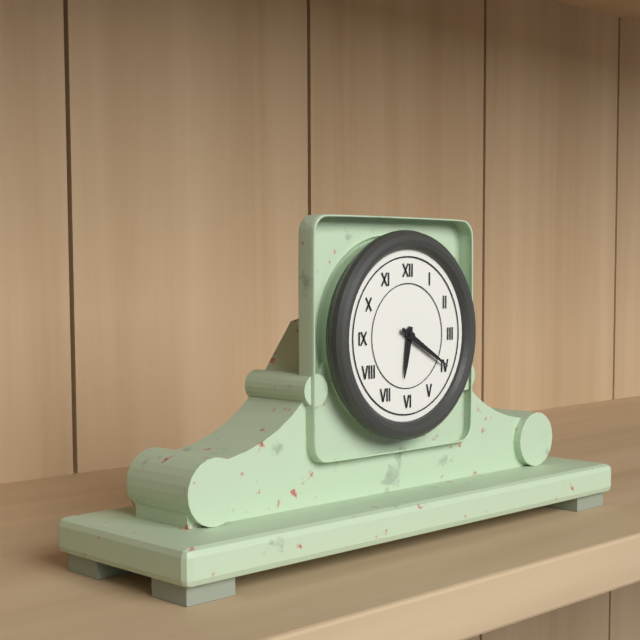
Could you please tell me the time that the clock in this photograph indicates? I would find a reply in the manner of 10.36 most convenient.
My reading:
6.20
